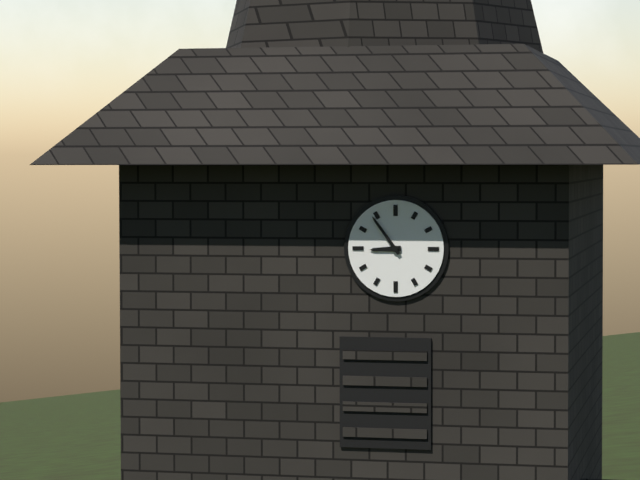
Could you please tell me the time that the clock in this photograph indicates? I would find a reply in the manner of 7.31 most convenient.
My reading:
8.54
